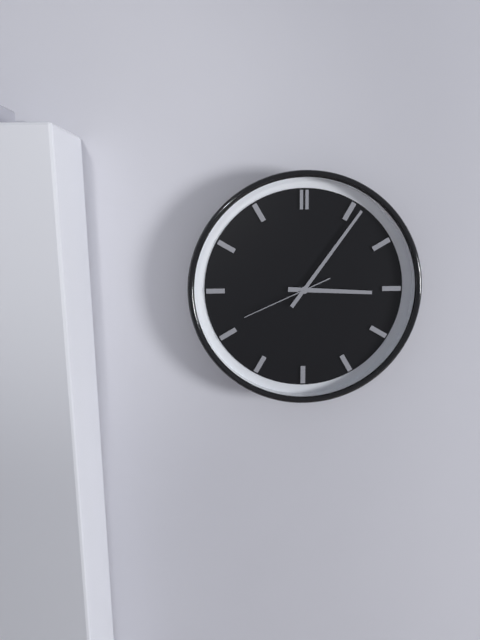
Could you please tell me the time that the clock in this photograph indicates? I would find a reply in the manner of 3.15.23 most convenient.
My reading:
3.06.41
